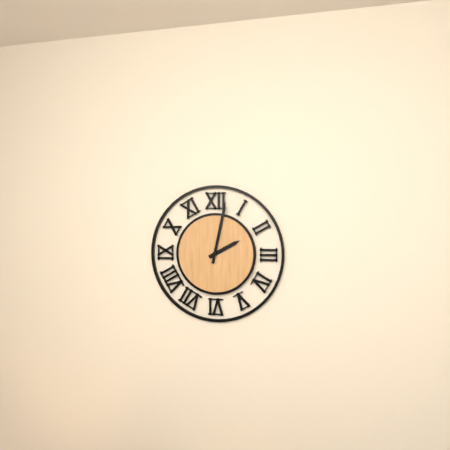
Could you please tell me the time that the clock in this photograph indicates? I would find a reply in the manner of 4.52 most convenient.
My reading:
2.02
